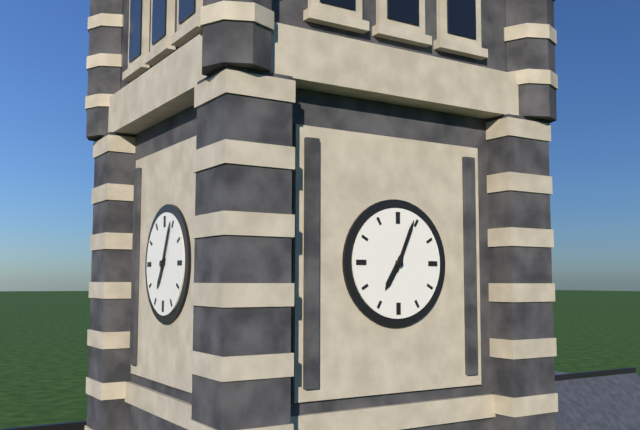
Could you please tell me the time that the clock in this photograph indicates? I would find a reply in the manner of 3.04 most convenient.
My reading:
7.04
